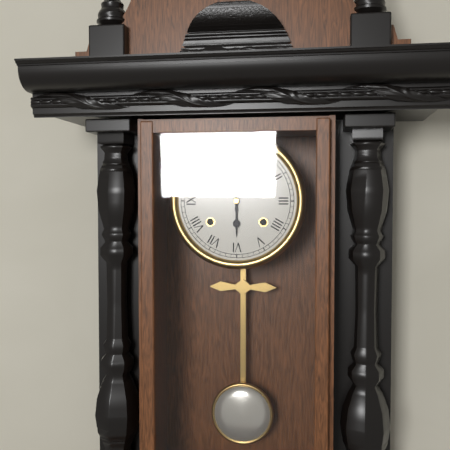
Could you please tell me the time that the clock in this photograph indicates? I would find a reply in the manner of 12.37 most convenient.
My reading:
6.00
